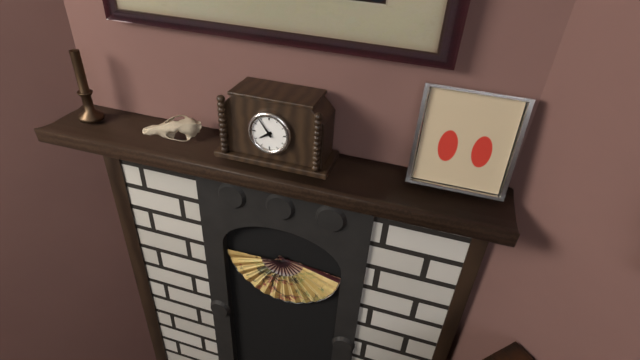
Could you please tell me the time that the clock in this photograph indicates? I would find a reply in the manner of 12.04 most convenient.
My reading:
7.54
